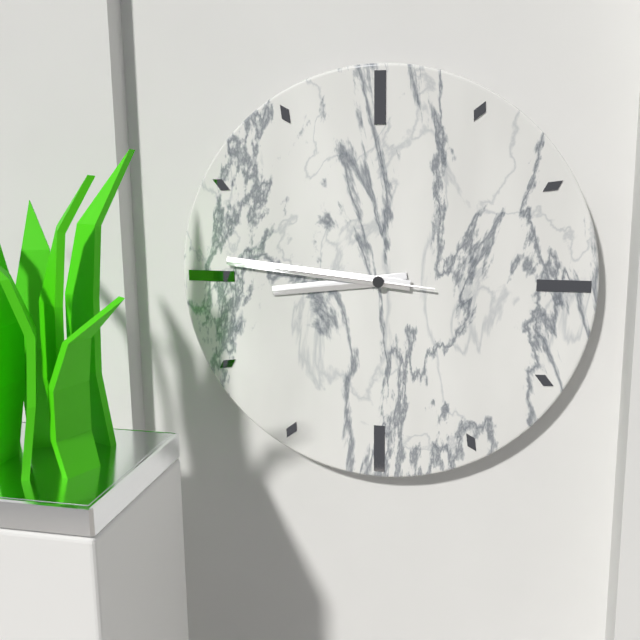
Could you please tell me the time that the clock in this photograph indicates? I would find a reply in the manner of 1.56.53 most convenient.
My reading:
8.46.46
